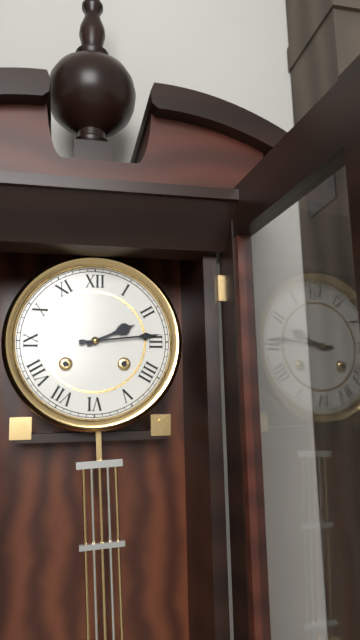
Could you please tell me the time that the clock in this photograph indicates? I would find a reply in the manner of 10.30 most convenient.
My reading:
2.14
